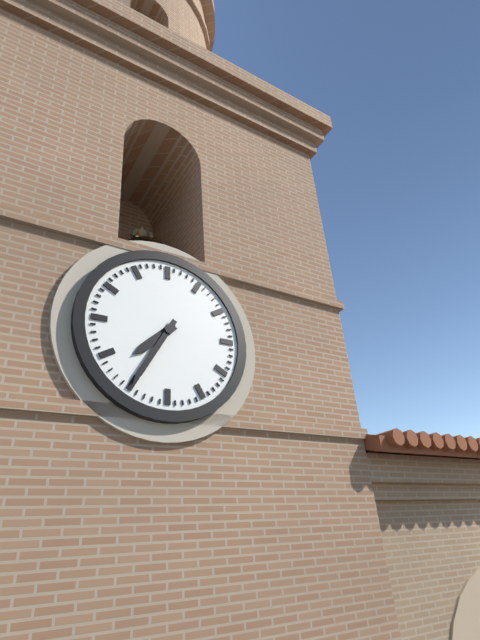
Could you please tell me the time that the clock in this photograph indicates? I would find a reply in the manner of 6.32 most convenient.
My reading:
7.35
